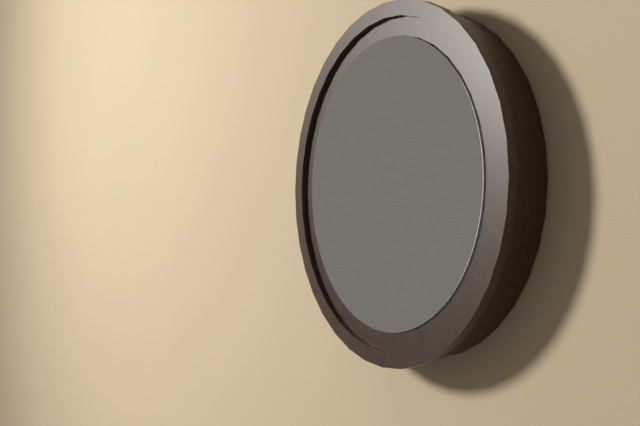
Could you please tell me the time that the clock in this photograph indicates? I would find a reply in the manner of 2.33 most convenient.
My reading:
10.05
